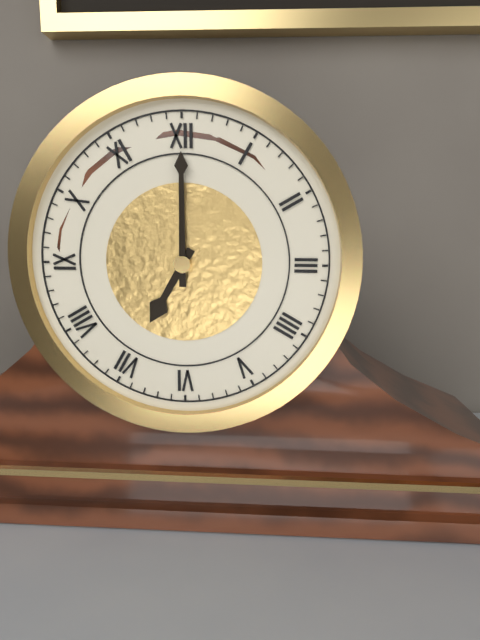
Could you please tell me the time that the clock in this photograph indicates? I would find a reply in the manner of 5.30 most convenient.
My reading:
7.00
